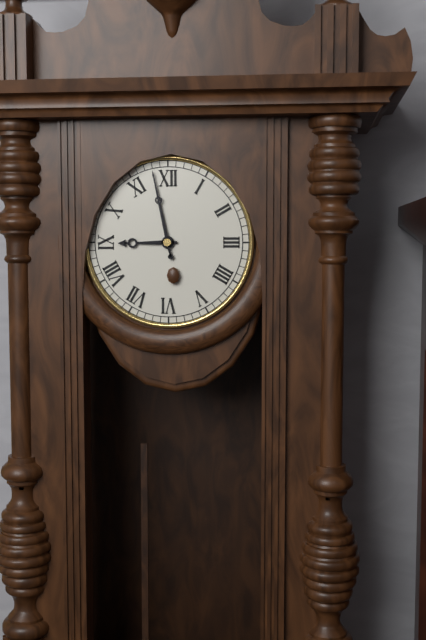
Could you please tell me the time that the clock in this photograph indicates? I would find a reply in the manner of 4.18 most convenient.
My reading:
8.58
